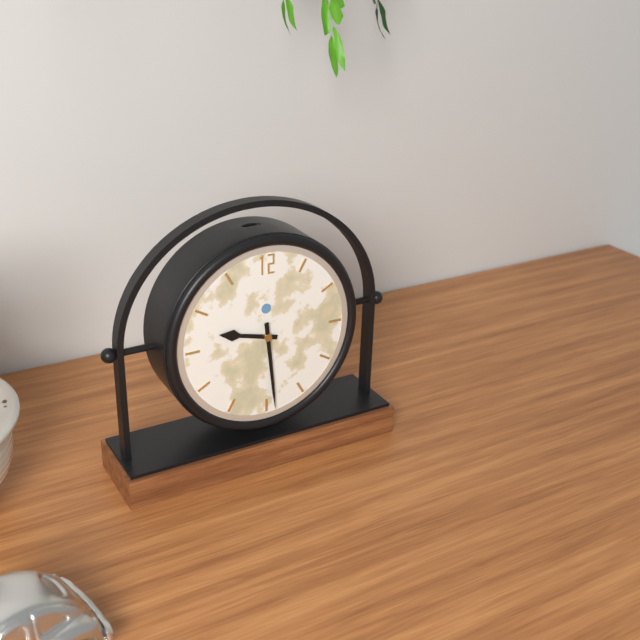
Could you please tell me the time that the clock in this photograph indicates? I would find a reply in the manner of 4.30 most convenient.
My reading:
9.29
